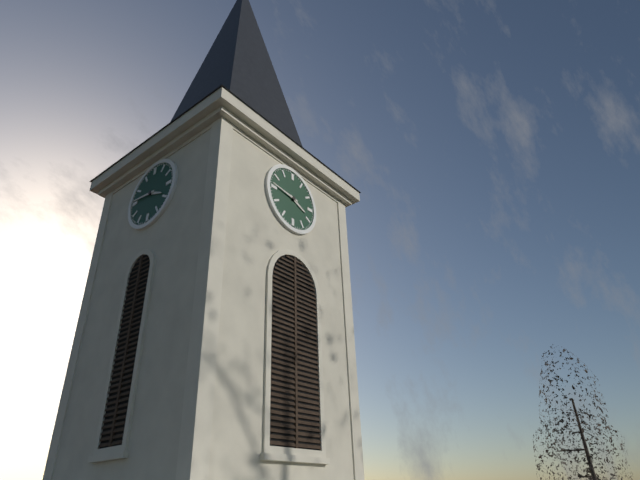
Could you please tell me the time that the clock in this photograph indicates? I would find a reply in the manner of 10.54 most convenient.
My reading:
3.46
